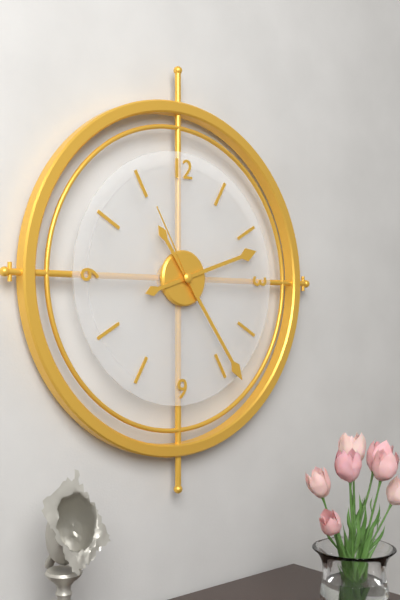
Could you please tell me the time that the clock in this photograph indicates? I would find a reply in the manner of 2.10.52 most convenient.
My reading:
2.24.55
